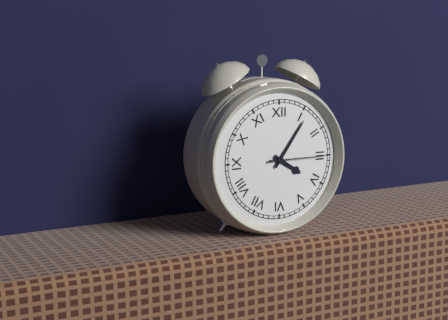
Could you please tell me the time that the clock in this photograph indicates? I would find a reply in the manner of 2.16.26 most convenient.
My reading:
4.06.15
